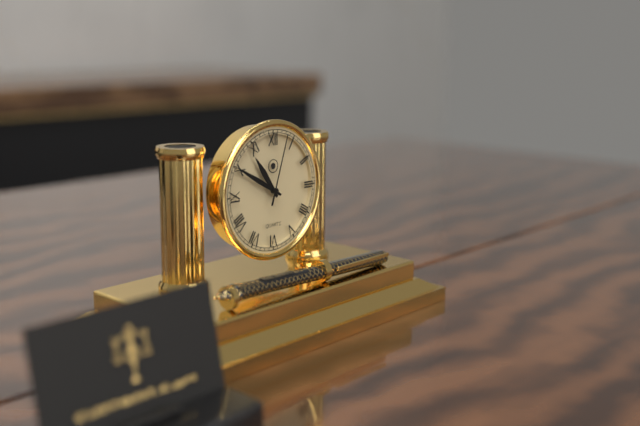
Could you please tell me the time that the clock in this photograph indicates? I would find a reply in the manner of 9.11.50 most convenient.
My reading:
10.50.03
